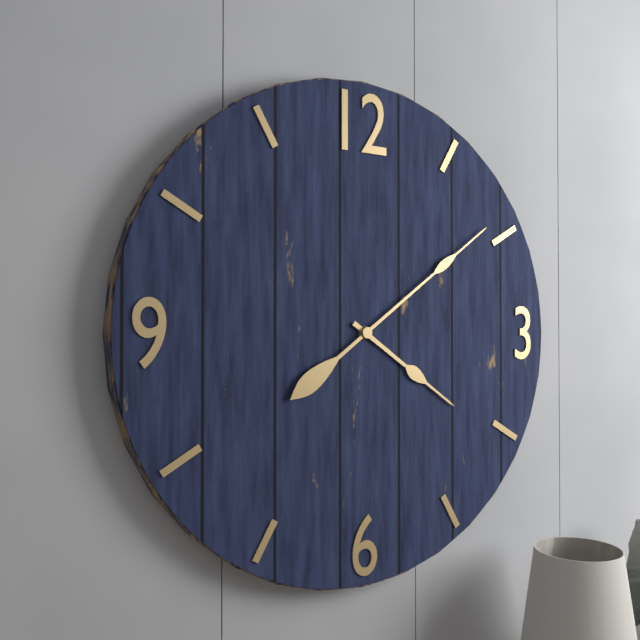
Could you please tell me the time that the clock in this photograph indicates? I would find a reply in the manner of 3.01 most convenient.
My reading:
4.09
